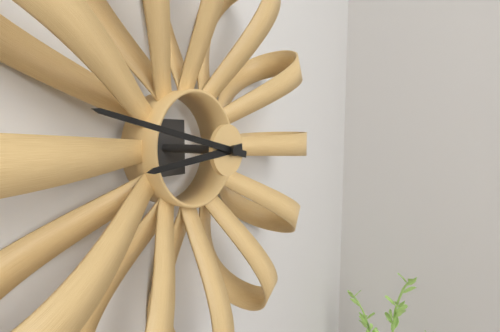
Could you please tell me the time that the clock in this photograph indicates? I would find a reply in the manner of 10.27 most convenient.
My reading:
8.47
